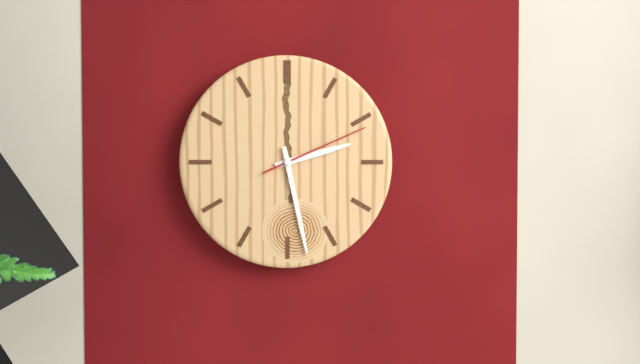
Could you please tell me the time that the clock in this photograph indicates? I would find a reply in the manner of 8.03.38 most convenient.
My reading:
2.28.11
